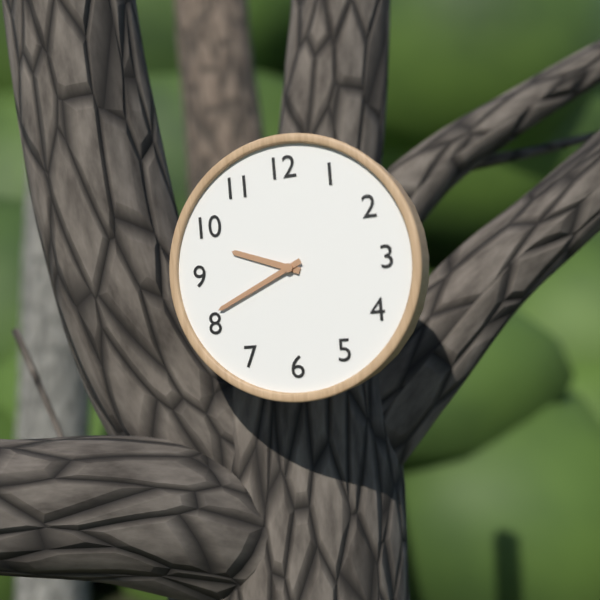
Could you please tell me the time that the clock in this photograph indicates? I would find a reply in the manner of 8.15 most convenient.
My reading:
9.41
